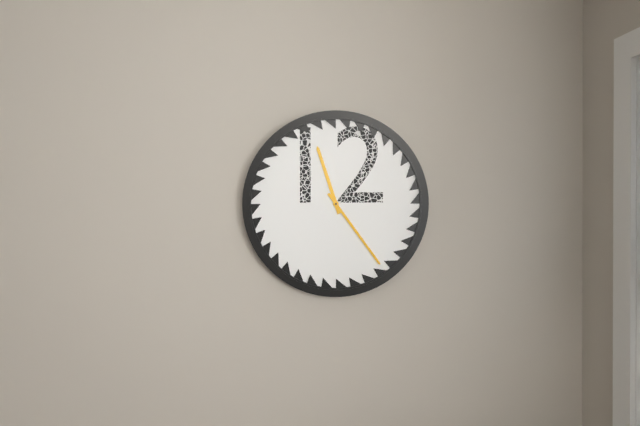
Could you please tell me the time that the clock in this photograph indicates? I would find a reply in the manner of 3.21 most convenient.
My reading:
11.24
